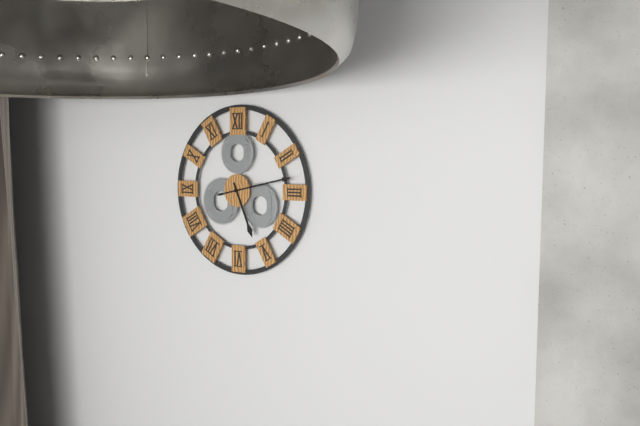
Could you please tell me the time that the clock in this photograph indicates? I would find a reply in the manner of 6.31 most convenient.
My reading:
5.13
